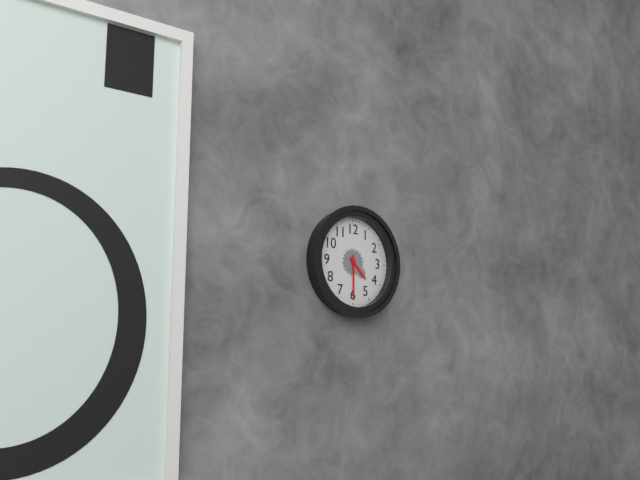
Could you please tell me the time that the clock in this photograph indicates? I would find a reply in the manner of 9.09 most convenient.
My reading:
4.30
